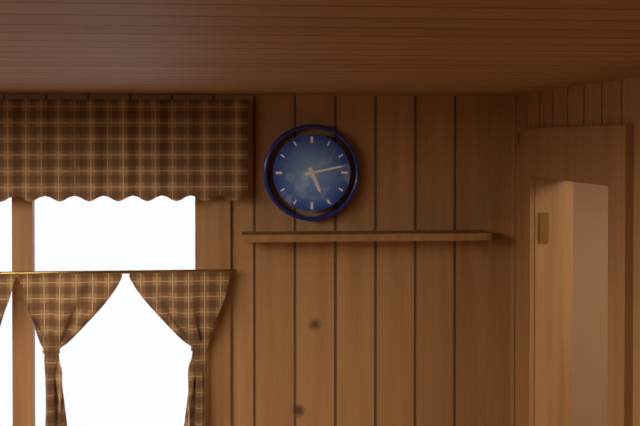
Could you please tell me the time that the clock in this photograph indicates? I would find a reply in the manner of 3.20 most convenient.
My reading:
5.13
